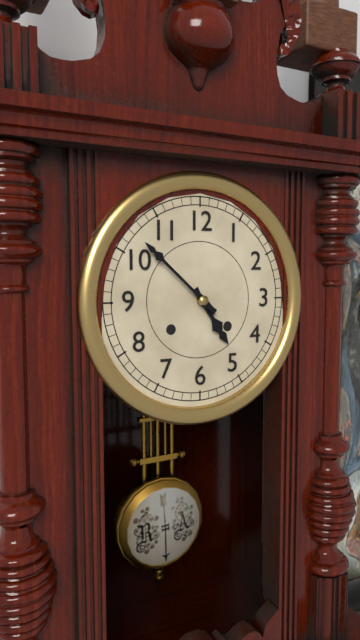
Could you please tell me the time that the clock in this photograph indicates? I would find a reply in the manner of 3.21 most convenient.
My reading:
4.52
